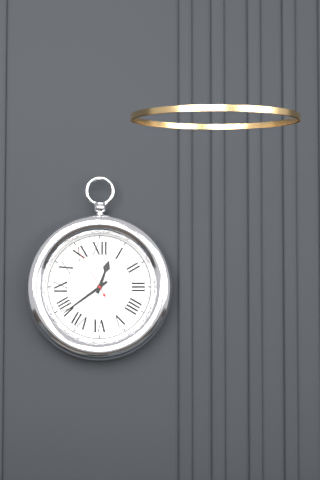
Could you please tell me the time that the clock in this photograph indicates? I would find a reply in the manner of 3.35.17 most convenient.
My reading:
12.39.55
